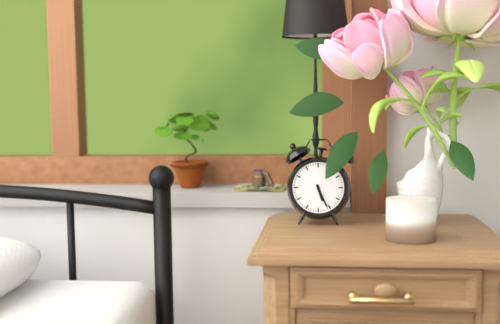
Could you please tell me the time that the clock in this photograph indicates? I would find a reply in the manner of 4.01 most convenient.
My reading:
5.26
